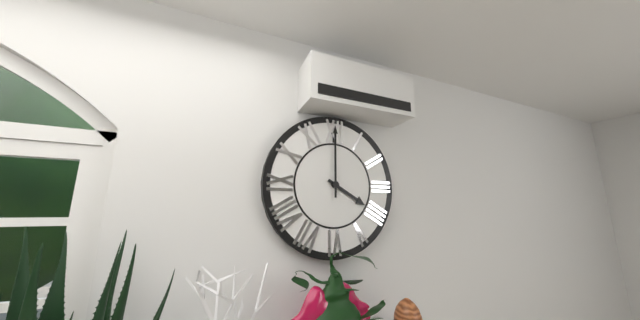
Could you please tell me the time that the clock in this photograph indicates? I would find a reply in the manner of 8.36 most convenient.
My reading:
4.00
